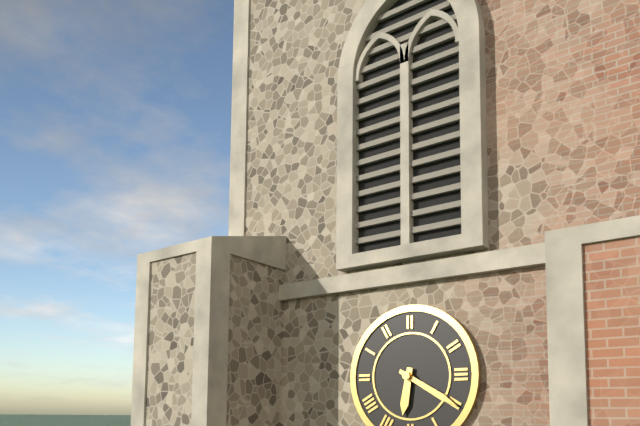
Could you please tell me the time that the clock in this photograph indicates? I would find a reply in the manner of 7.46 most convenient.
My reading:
6.20
